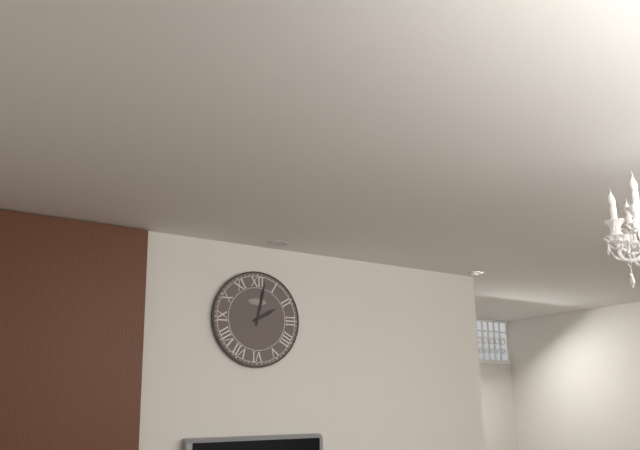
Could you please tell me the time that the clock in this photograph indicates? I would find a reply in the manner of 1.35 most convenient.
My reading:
2.02
